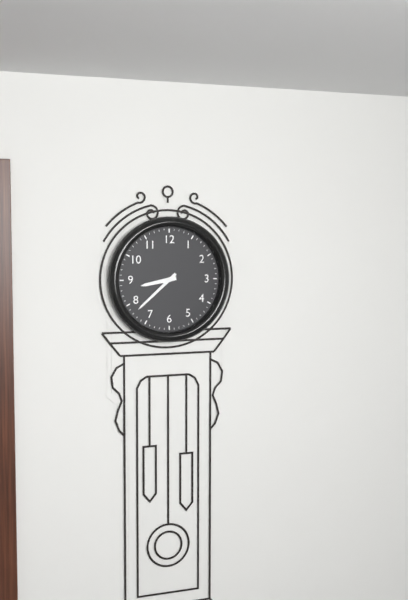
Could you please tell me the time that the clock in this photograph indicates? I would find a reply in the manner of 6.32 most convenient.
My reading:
8.38
